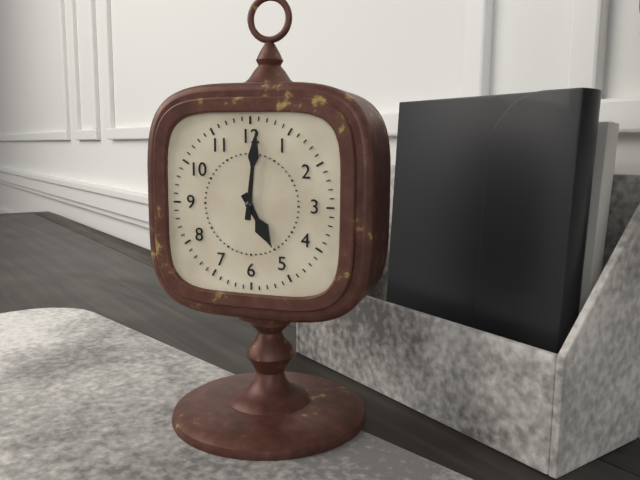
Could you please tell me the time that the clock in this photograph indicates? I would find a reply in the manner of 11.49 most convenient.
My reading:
5.01
